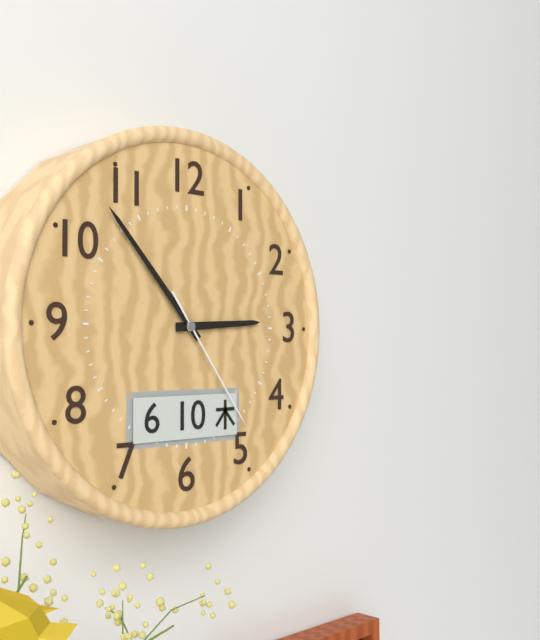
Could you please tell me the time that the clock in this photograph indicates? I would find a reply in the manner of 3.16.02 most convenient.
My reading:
2.53.24
